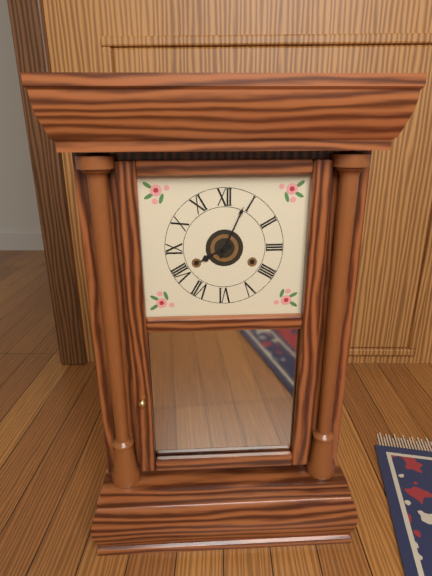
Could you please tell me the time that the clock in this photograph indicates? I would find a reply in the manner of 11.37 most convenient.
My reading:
8.04
